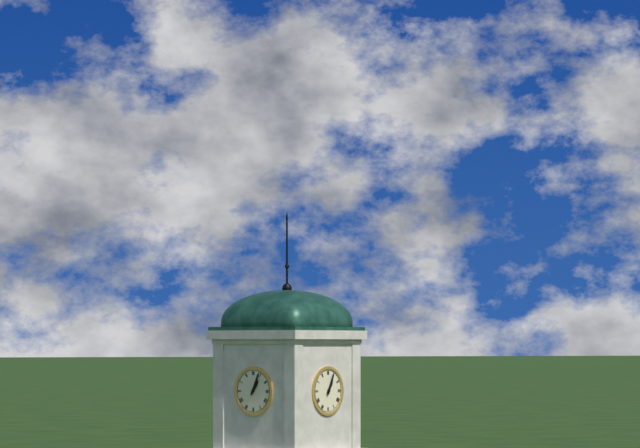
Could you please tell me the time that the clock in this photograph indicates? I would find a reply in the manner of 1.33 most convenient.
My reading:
1.04
